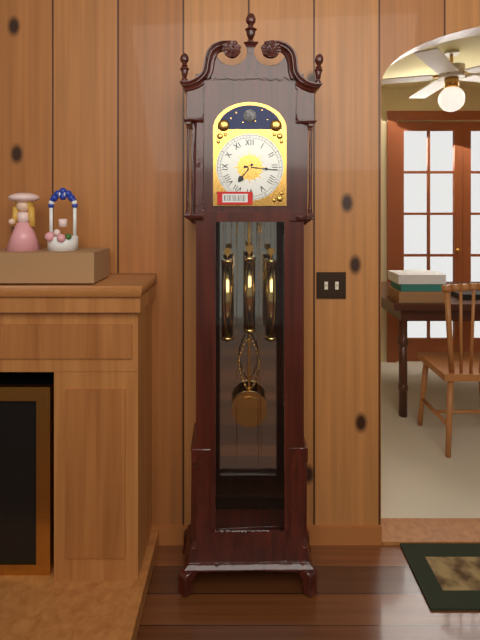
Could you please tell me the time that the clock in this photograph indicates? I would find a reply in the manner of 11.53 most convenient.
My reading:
7.16
